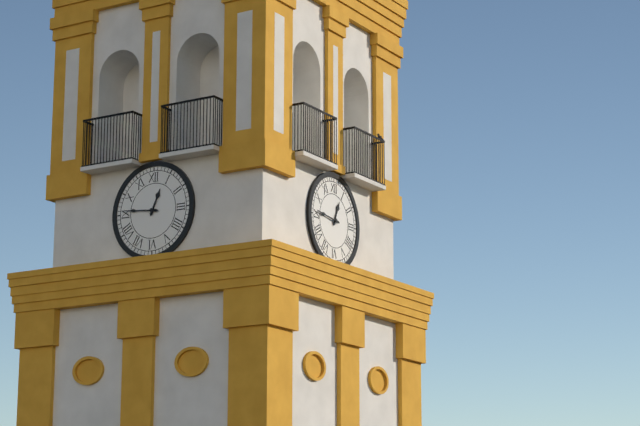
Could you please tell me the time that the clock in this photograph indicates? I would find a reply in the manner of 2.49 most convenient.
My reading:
12.46
